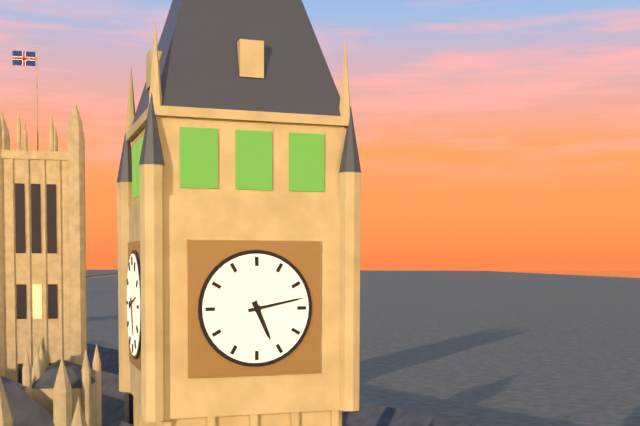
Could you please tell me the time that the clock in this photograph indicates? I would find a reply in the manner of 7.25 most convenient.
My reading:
5.13
